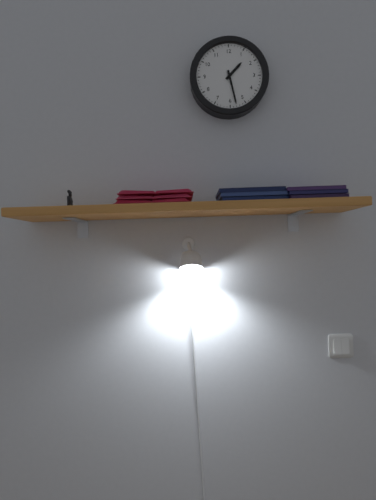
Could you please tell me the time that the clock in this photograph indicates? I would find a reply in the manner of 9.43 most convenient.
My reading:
1.28
